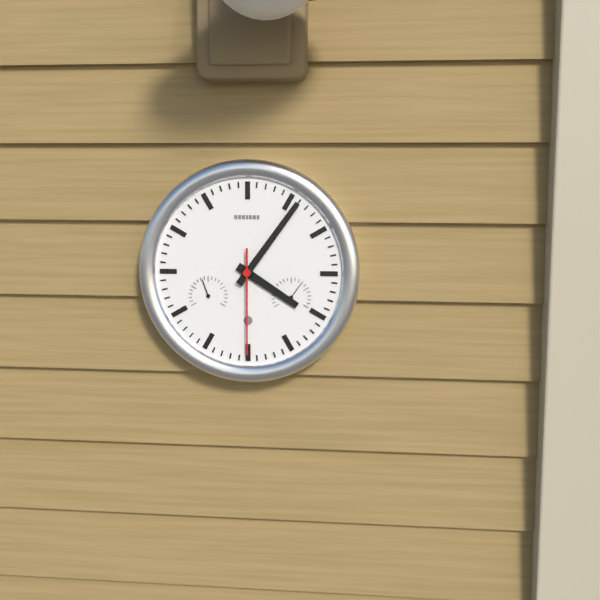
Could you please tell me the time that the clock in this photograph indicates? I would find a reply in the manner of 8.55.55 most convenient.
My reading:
4.06.30
